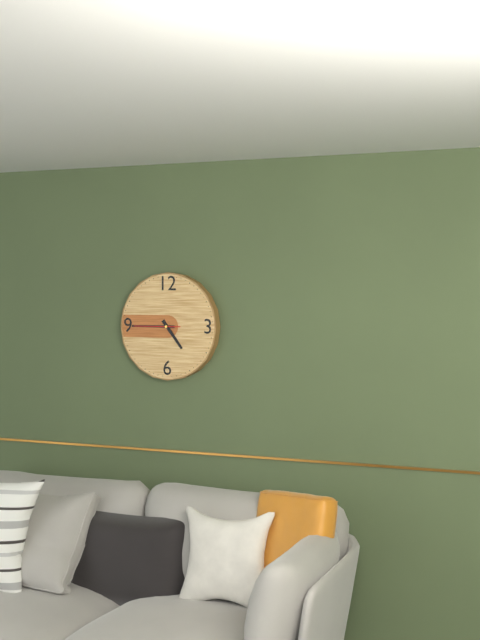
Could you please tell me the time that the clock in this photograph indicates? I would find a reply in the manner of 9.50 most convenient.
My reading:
4.45
